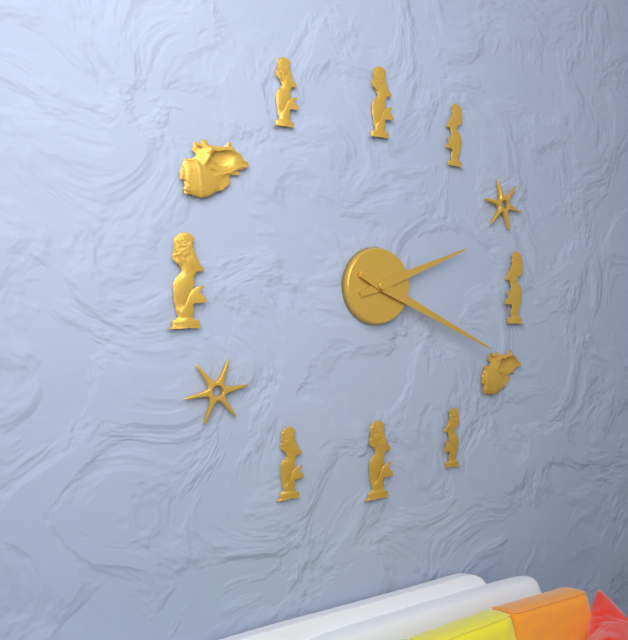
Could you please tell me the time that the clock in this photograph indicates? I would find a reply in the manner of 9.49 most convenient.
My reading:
2.19
